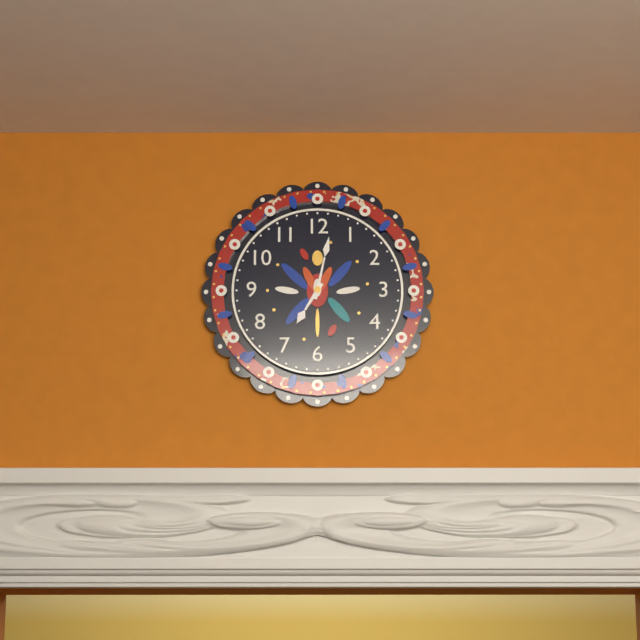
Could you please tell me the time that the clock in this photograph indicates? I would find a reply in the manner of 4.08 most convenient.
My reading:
7.02
